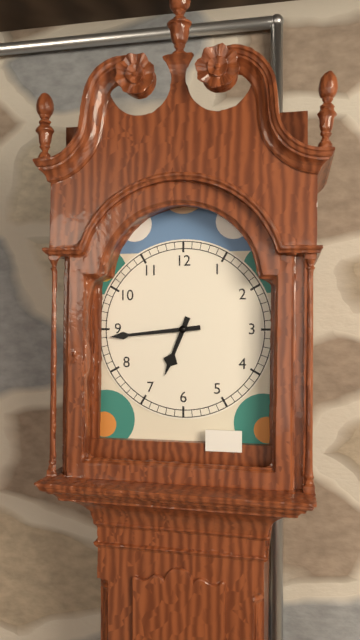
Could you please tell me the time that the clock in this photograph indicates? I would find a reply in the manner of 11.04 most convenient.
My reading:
6.44
